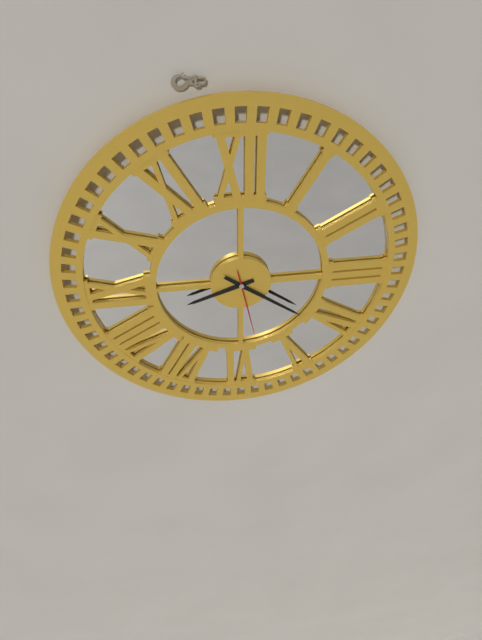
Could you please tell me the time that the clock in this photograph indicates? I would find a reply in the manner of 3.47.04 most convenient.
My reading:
8.21.28
